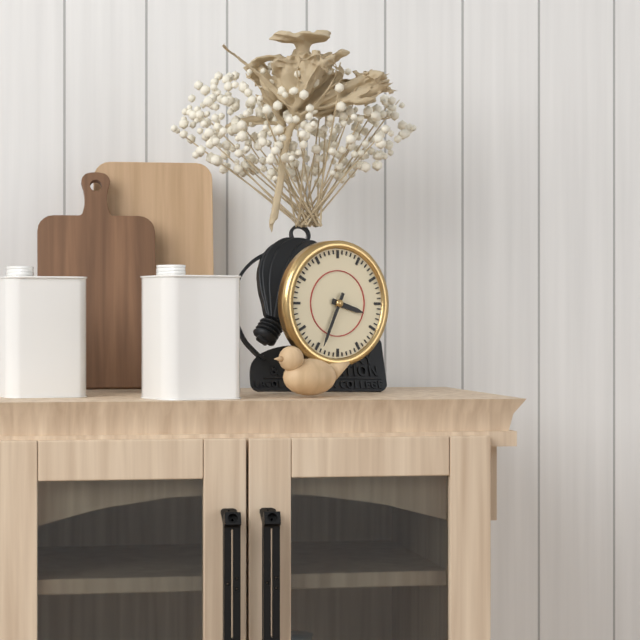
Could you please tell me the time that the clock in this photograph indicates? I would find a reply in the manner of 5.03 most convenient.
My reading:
3.34
